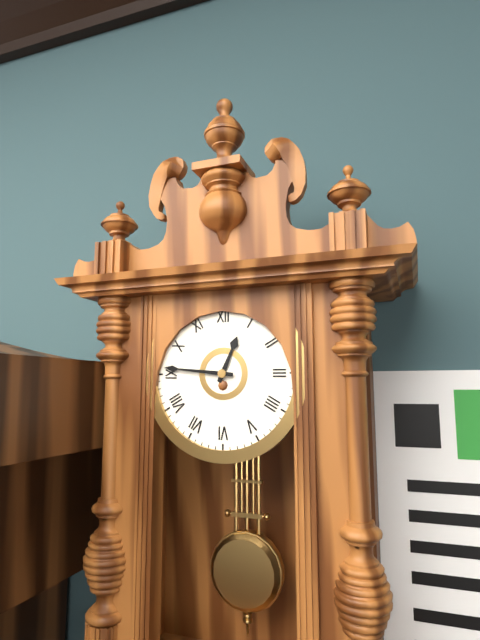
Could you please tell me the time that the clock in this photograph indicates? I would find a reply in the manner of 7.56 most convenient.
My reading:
12.46
